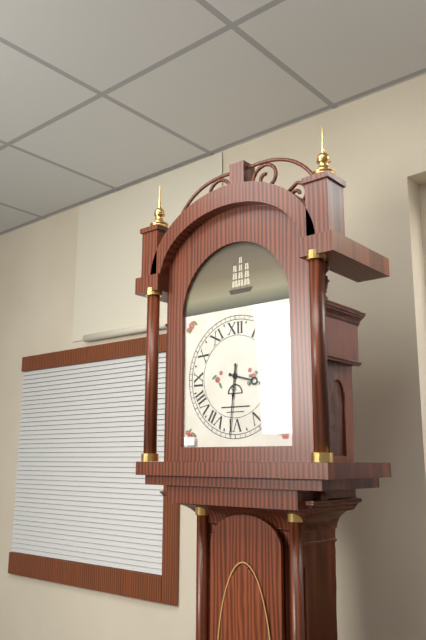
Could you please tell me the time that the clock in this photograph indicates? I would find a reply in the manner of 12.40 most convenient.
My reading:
3.31
